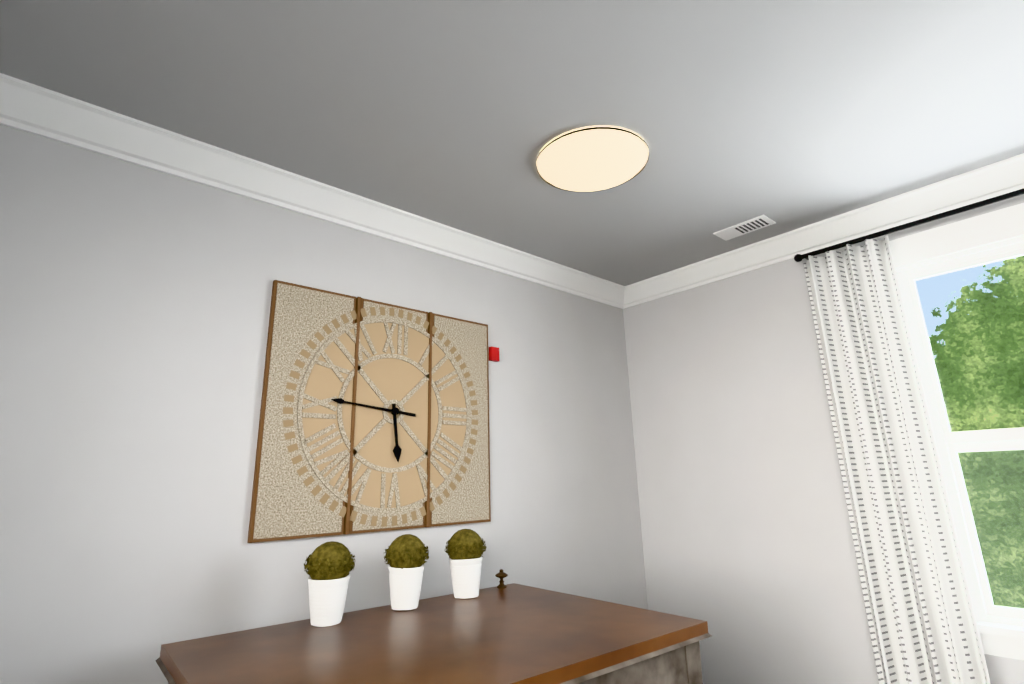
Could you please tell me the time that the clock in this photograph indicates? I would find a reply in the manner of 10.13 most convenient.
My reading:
5.46
